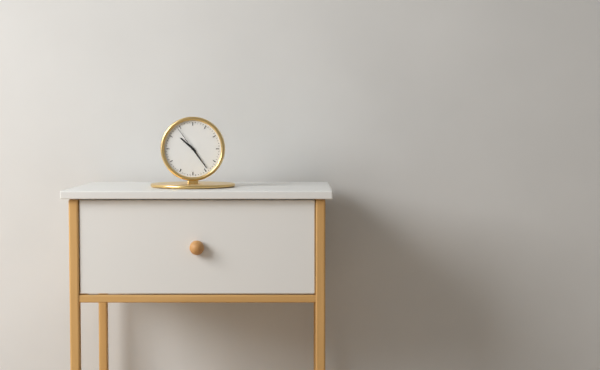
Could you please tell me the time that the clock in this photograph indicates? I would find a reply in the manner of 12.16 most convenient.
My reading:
10.24
